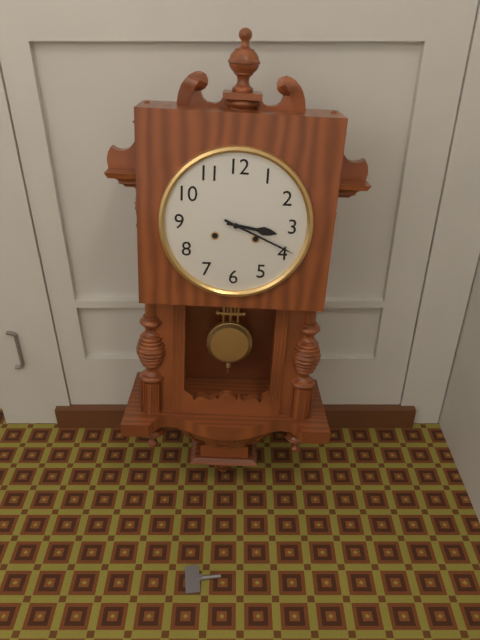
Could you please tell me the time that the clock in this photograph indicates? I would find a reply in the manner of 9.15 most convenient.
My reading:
3.19
